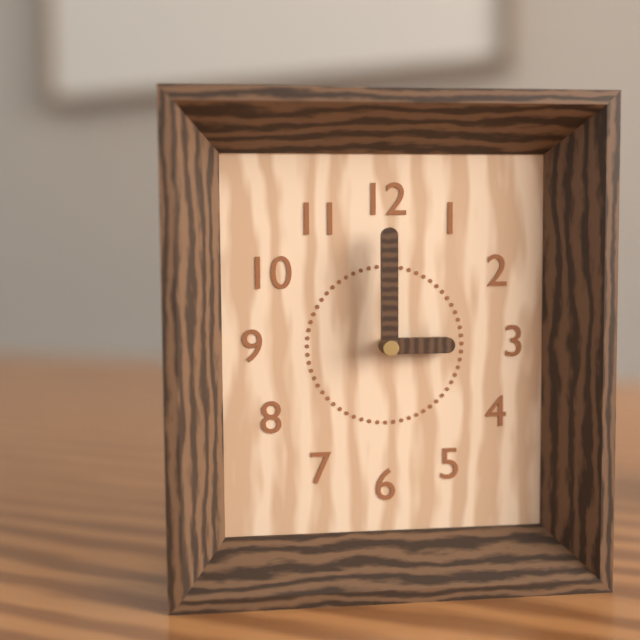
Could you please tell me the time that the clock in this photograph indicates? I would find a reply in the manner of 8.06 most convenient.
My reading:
3.00
